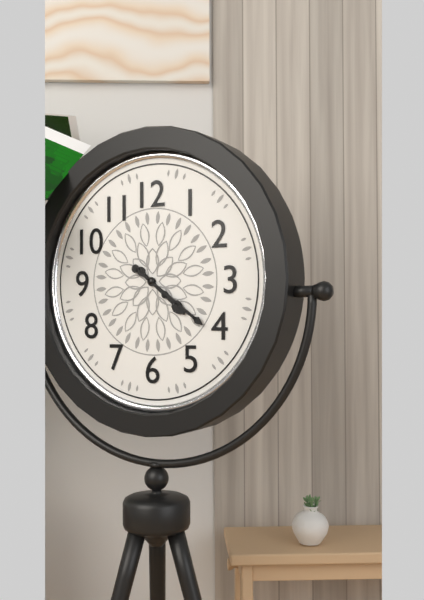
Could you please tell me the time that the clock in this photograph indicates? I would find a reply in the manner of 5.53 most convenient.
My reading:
4.21
